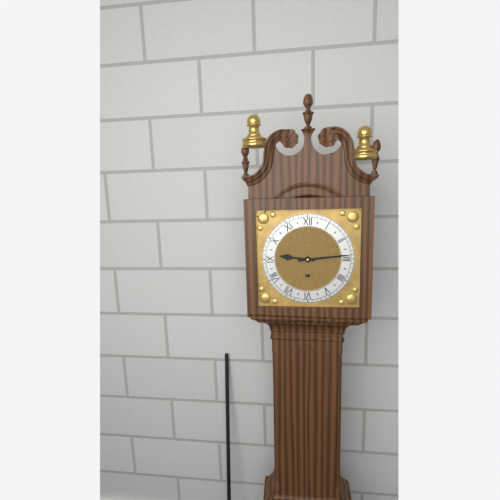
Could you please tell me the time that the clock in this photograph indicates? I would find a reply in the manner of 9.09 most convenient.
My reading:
9.14
